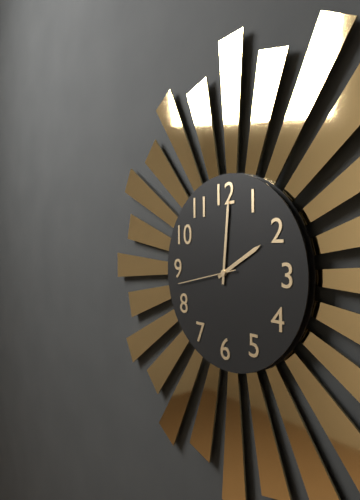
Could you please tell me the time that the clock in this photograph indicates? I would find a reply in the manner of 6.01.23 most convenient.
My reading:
2.01.43
